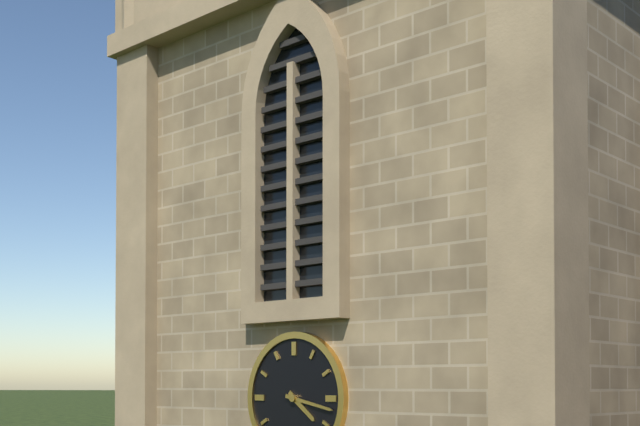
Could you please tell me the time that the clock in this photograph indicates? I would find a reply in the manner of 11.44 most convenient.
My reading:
4.17
